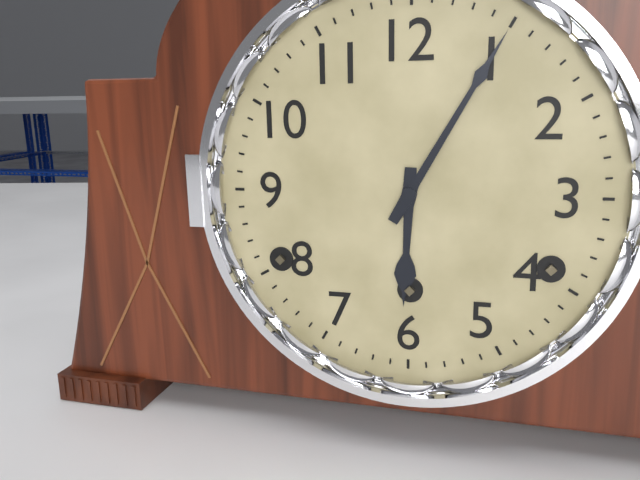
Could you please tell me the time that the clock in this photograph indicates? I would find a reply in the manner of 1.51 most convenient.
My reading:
6.05
